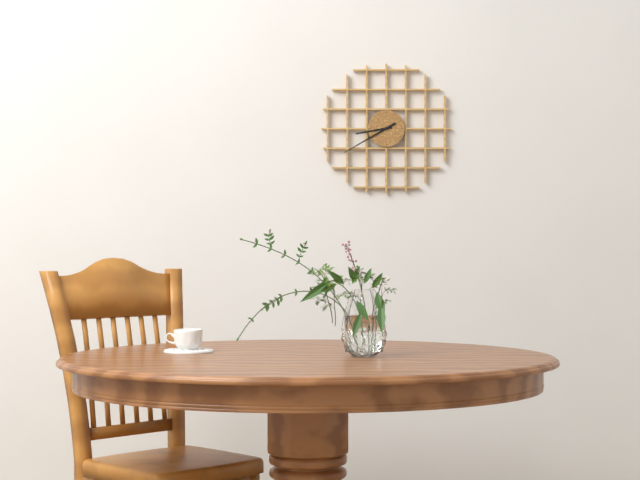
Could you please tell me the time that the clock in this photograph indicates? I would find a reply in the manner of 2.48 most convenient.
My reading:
8.40
